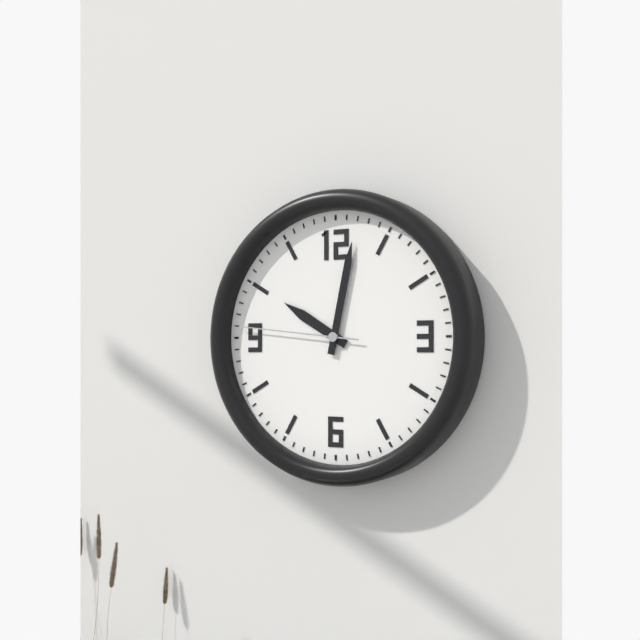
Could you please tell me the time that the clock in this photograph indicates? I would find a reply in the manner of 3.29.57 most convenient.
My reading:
10.02.46
